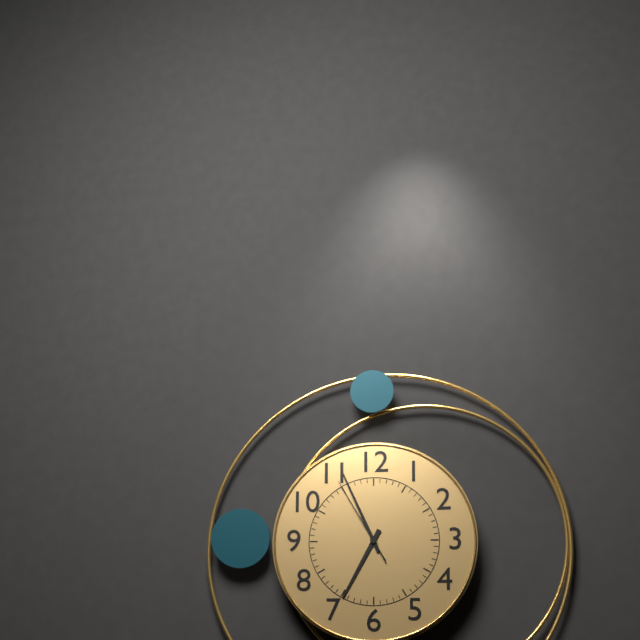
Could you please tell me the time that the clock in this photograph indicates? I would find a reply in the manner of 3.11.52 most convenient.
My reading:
6.56.55
